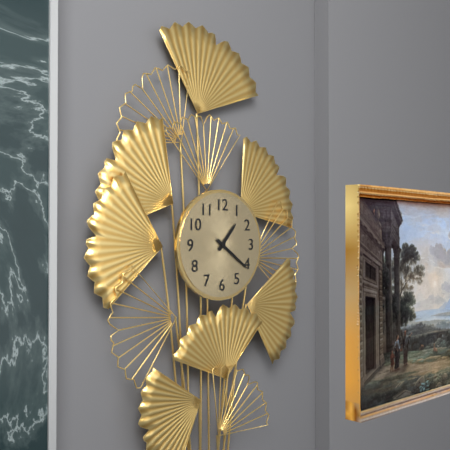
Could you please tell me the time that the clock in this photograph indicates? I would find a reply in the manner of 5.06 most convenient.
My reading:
1.21
